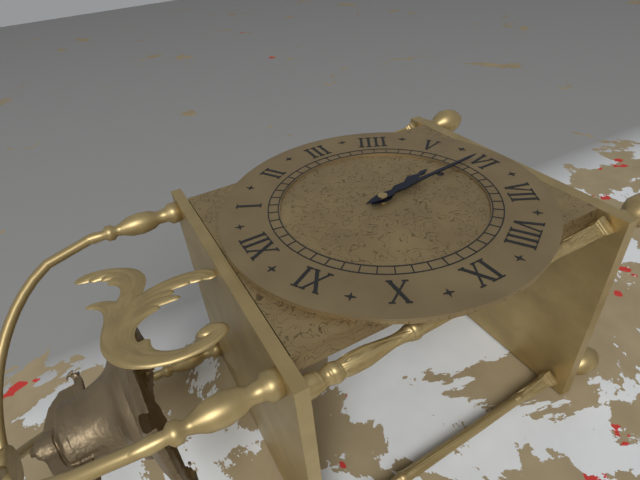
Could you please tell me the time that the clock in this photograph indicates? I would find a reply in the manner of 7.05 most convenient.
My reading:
5.29
